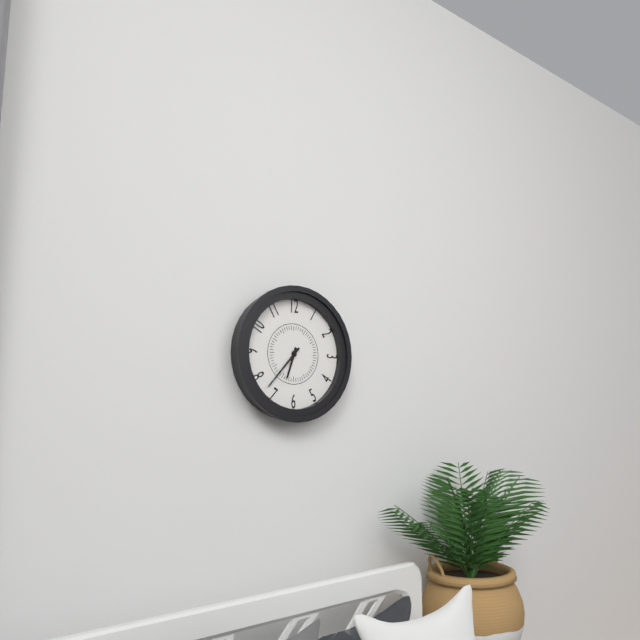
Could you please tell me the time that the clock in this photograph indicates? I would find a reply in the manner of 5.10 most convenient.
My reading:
6.37
